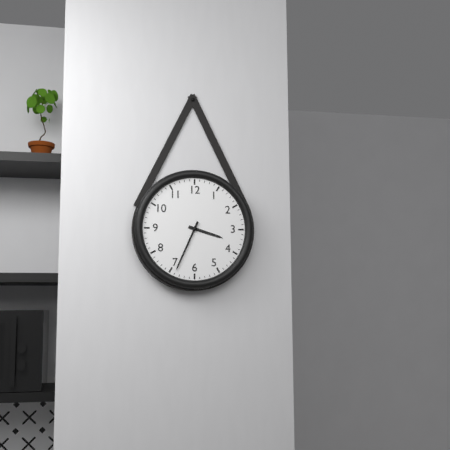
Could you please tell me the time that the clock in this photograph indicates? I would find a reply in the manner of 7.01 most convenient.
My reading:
3.34
